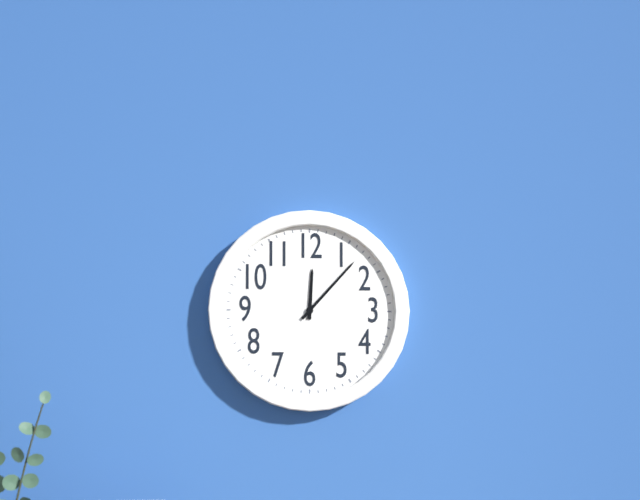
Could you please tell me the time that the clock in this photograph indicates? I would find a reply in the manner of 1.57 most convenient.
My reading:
12.07
